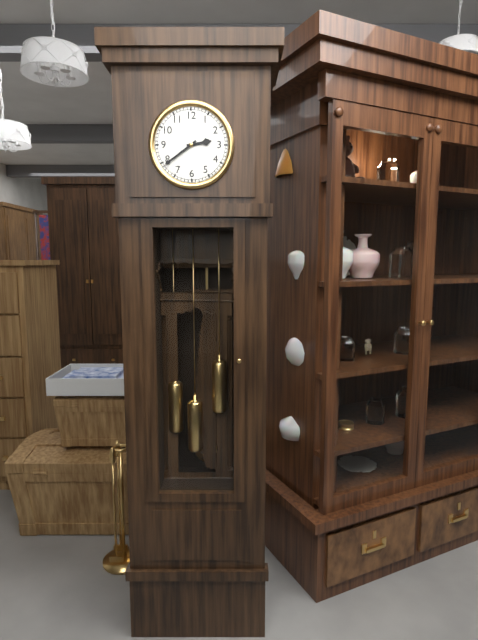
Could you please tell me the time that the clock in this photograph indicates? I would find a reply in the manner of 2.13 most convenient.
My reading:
2.39
